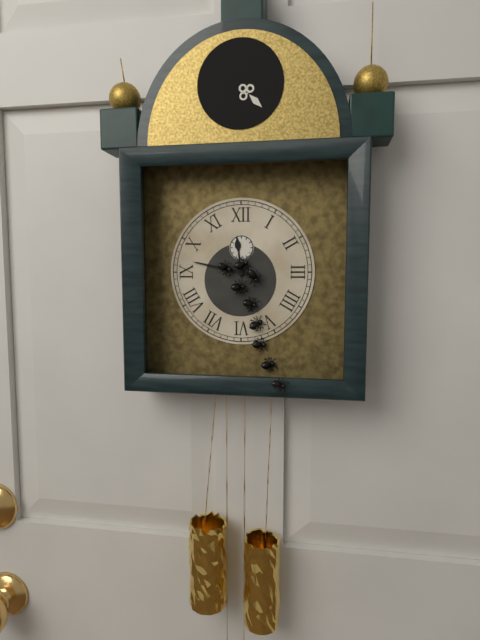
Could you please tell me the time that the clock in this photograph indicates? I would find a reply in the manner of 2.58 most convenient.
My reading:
11.47
